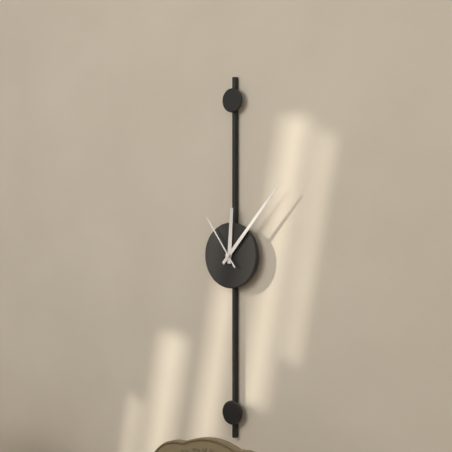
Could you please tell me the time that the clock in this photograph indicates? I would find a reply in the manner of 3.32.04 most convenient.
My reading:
12.07.54
